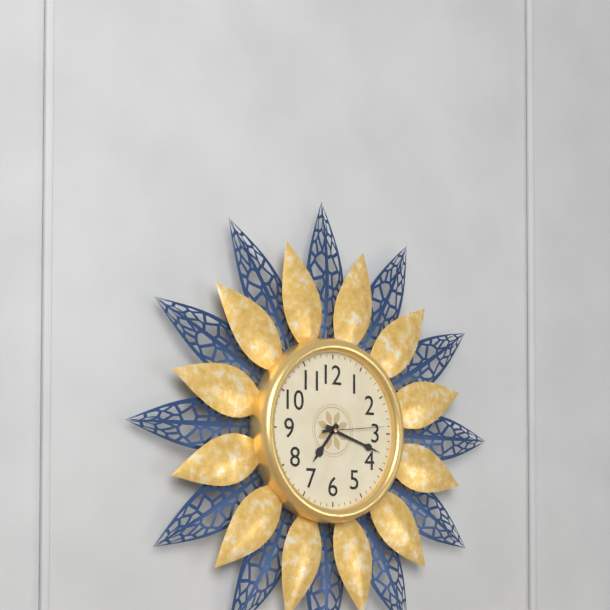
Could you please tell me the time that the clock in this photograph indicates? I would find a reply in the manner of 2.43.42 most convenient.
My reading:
7.18.14
